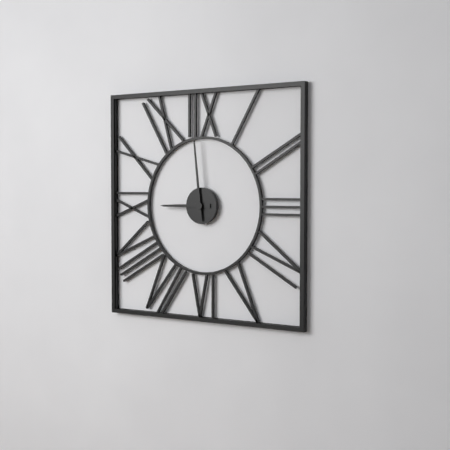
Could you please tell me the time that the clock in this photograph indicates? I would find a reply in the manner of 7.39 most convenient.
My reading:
8.59
